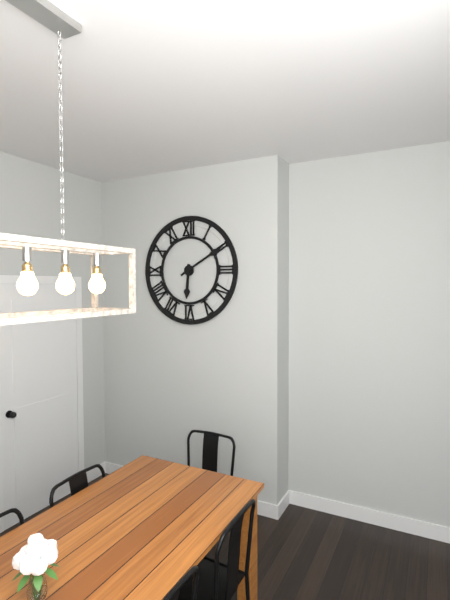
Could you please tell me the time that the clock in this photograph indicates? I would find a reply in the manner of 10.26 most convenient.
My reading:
6.10
